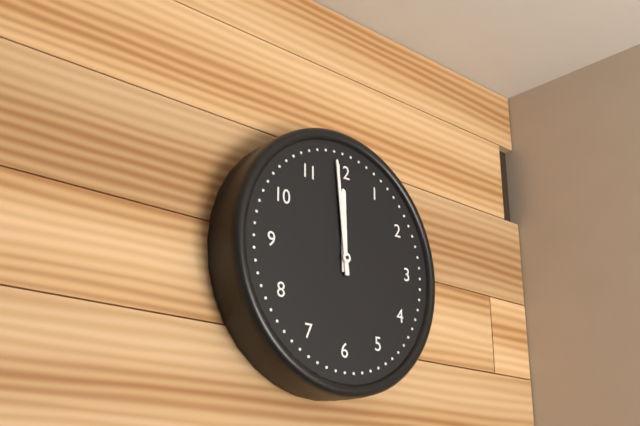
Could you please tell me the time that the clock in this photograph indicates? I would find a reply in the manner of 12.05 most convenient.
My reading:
11.59
